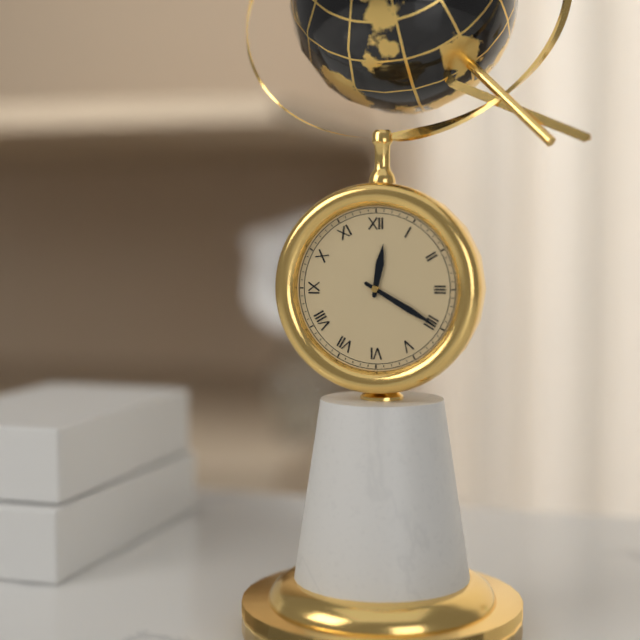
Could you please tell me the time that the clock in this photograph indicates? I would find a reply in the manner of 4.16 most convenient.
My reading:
12.20
